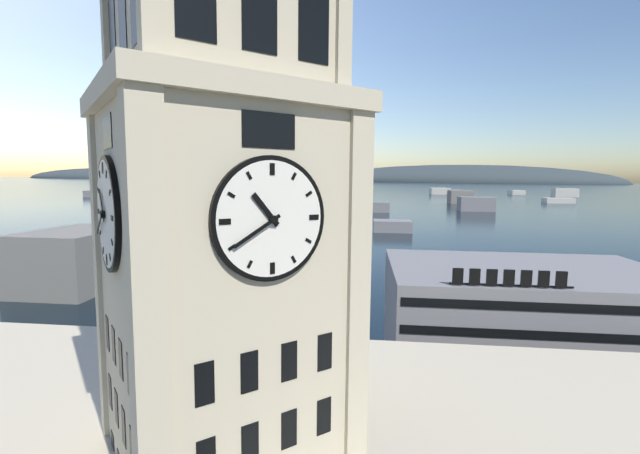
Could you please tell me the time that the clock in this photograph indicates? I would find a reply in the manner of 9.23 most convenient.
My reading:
10.40
